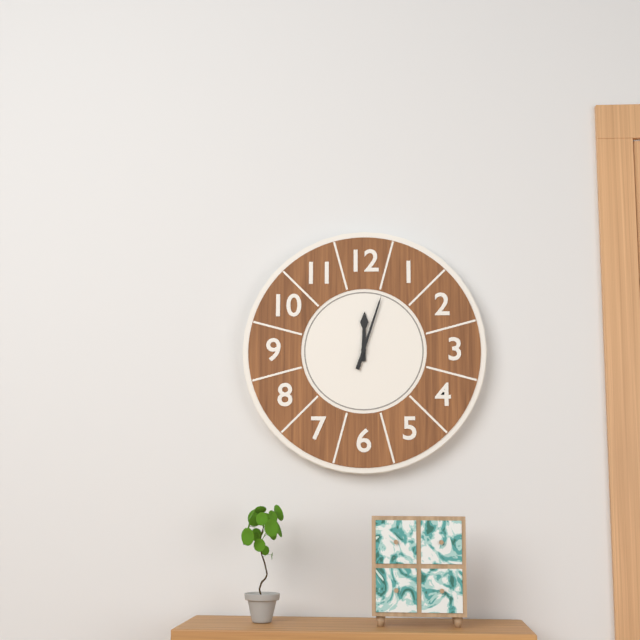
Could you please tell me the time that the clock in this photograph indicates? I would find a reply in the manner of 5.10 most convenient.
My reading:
12.03
